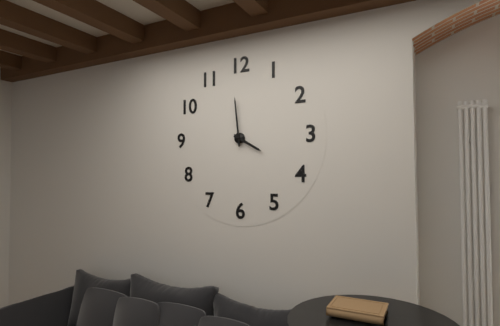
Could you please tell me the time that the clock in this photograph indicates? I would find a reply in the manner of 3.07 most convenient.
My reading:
3.59
